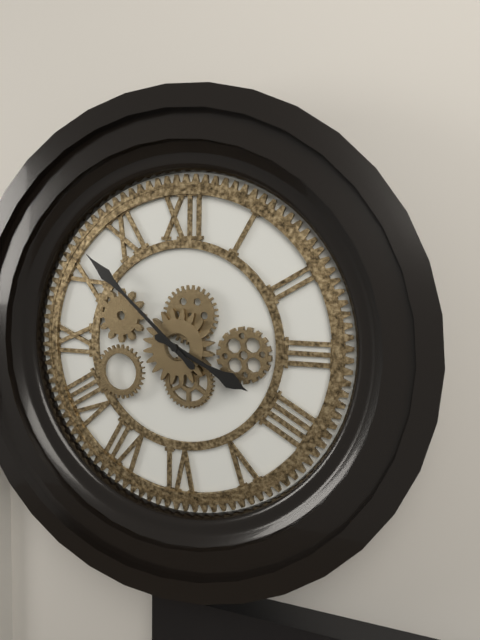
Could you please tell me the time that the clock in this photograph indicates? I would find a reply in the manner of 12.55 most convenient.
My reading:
3.52
